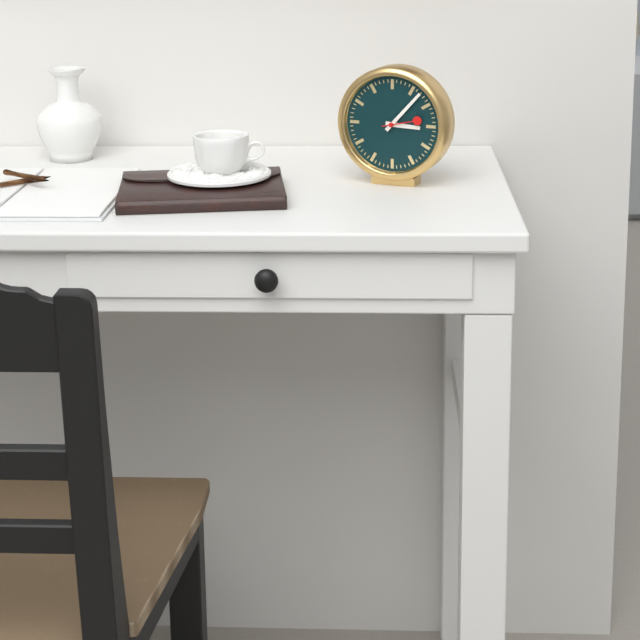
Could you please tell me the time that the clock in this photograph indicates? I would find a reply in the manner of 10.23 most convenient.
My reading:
3.07
